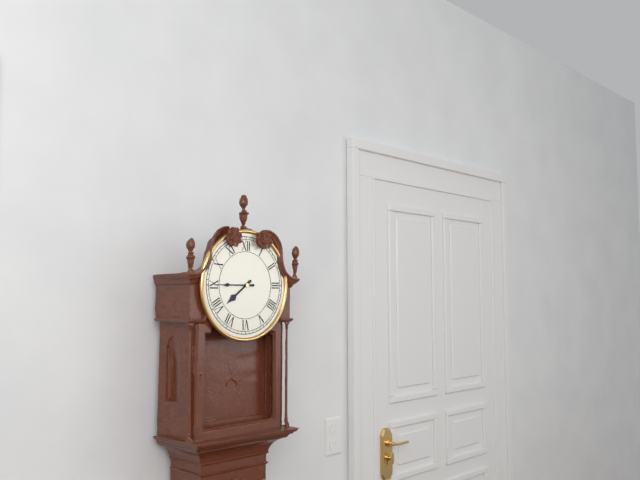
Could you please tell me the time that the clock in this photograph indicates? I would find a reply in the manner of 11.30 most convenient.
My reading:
7.45
